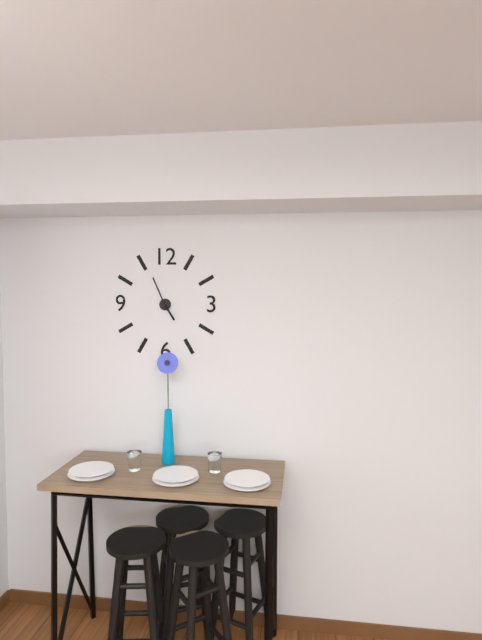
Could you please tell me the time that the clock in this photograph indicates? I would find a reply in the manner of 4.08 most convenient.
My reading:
4.56
